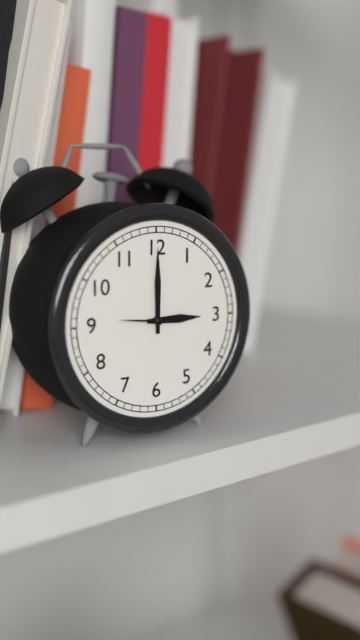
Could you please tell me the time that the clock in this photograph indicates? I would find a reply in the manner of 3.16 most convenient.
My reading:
3.00
